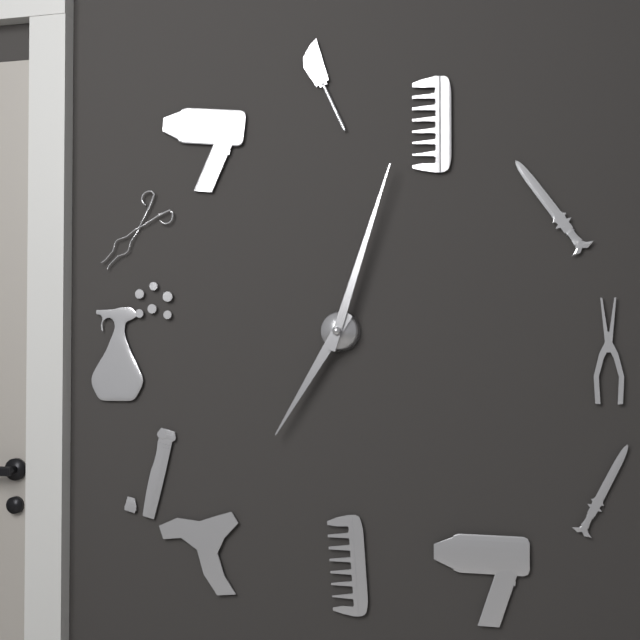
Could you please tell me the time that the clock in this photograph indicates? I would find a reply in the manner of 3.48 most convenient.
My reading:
7.03
